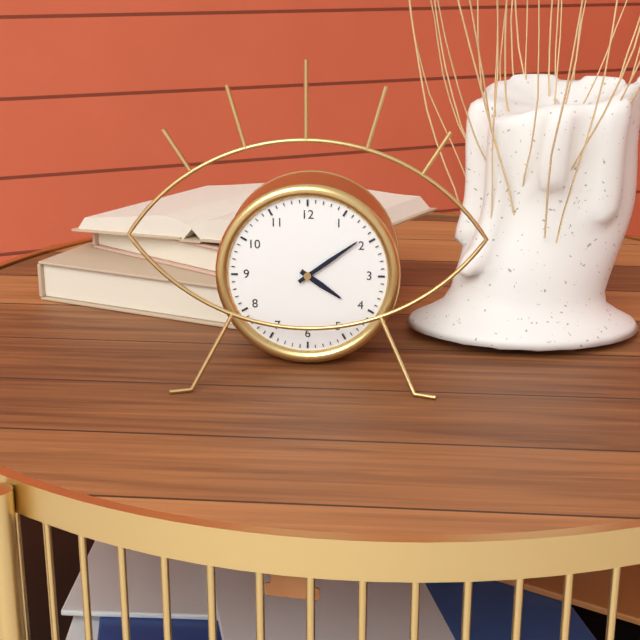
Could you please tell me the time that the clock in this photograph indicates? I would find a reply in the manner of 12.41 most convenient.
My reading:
4.09
